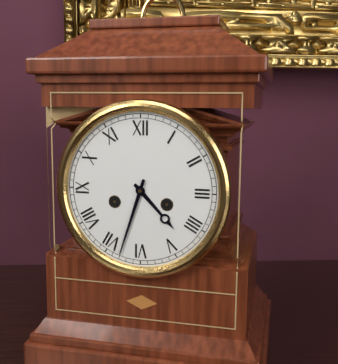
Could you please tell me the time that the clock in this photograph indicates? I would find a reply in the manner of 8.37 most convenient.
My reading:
4.33
